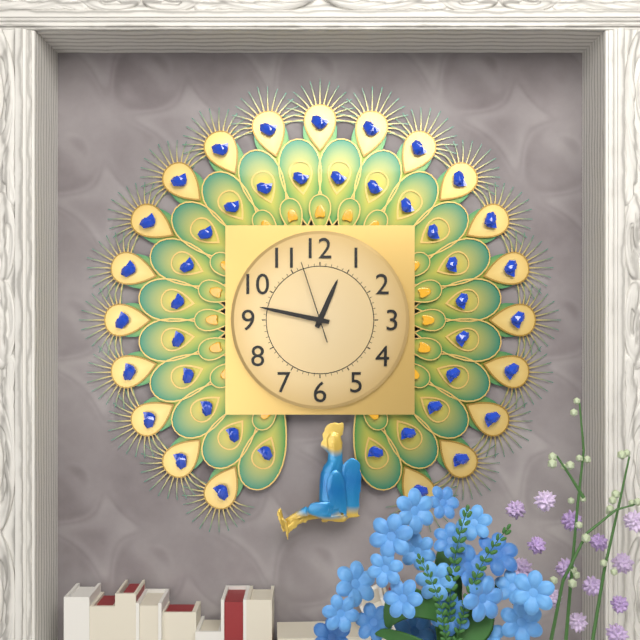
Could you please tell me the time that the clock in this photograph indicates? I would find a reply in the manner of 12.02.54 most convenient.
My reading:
12.47.57
